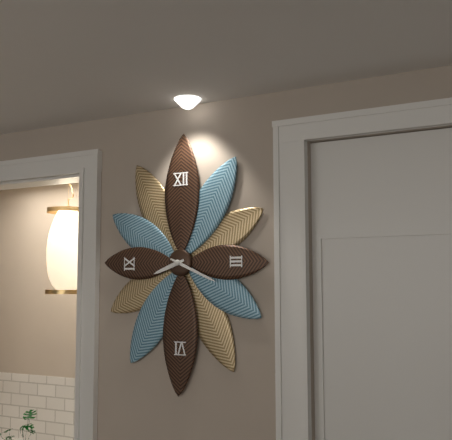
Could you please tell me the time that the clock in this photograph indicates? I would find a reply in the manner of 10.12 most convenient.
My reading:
8.19
